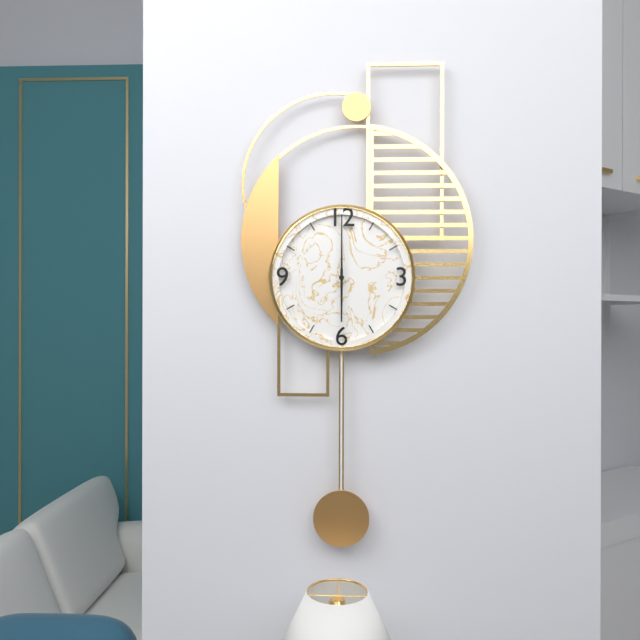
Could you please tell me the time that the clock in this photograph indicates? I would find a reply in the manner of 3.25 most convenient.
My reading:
6.00
